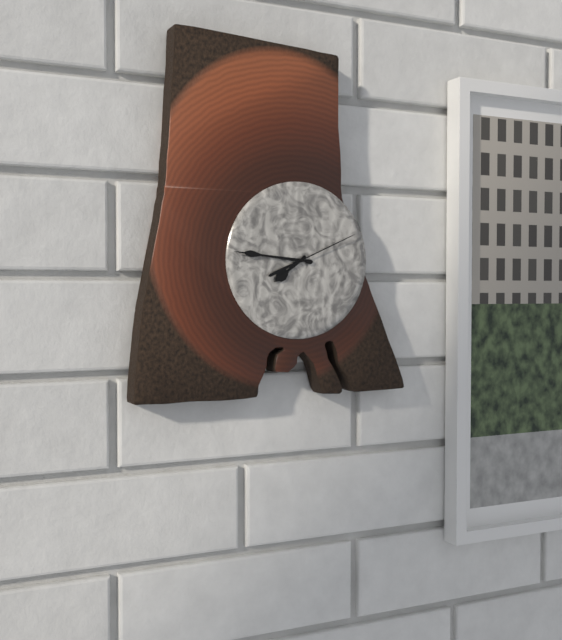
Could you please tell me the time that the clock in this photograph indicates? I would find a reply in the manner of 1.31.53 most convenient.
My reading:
7.46.11
